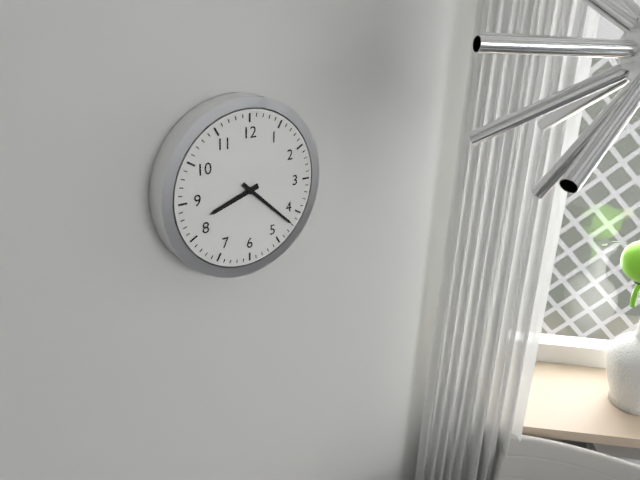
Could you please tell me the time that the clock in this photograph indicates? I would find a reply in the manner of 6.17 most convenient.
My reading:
8.22
